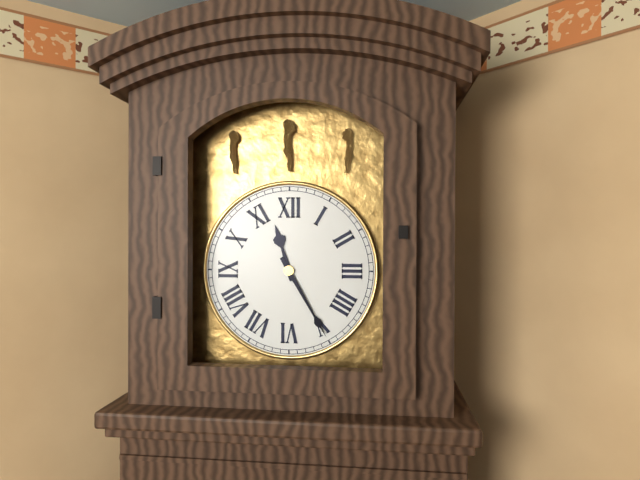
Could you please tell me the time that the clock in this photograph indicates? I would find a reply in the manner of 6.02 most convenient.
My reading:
11.25
